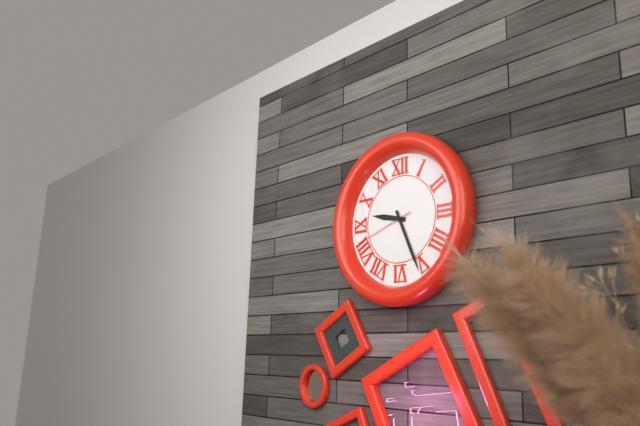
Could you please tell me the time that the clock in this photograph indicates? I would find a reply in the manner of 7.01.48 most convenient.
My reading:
9.26.42
